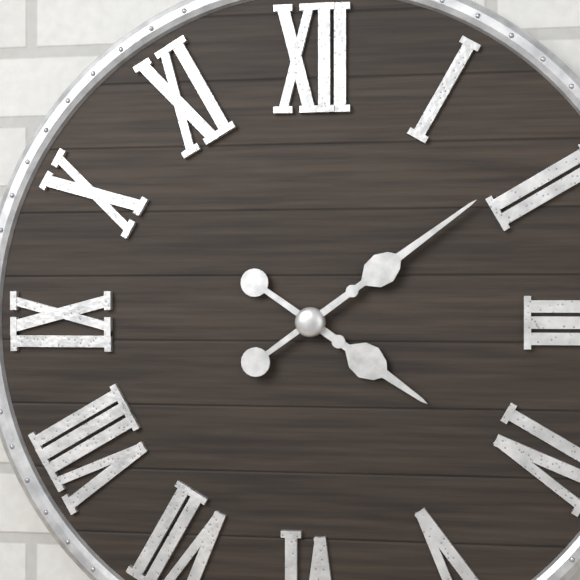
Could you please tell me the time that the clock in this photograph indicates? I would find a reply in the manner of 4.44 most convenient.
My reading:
4.09
